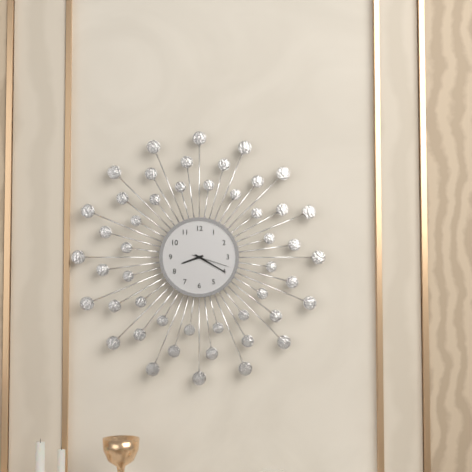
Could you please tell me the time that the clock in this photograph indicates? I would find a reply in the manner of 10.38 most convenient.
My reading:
8.20
